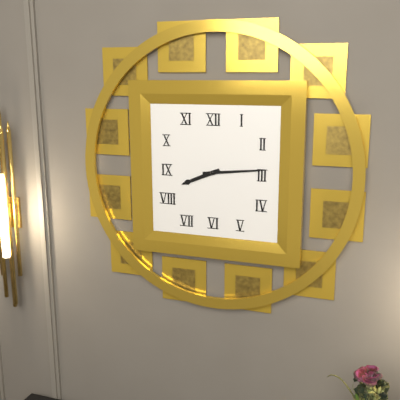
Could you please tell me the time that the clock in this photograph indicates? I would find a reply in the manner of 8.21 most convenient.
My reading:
8.14
